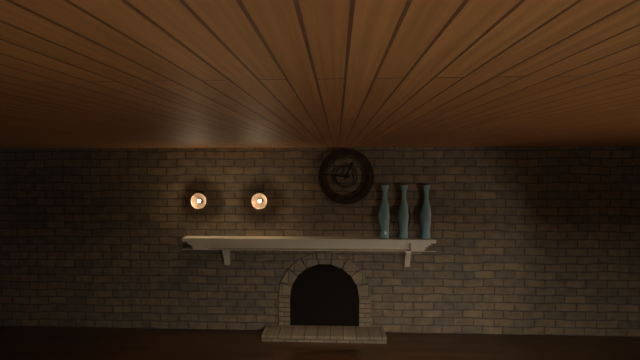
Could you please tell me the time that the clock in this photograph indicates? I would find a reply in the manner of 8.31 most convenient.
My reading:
12.46
